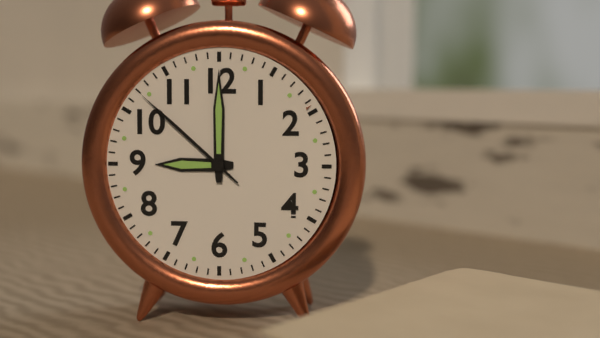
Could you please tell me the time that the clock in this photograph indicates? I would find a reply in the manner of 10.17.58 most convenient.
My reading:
9.00.52
